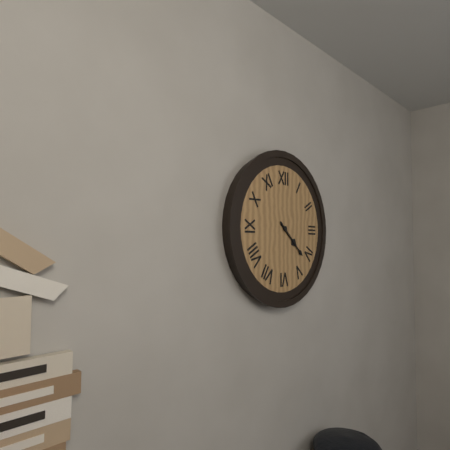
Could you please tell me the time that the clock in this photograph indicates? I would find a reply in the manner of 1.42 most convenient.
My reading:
4.22
